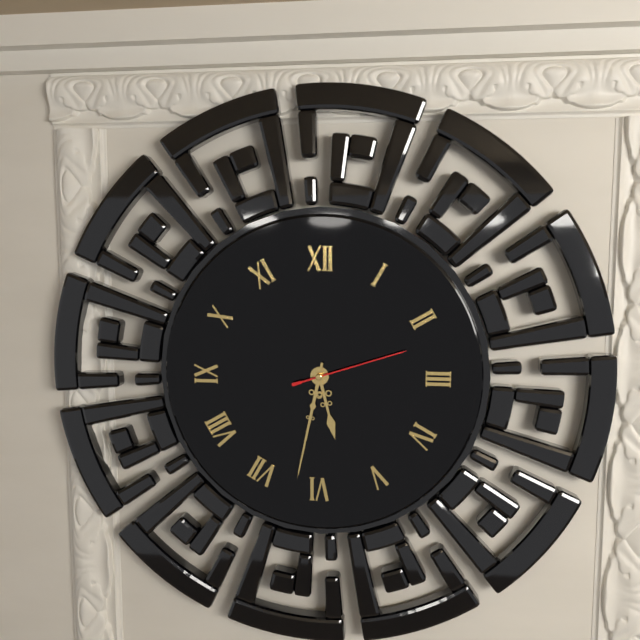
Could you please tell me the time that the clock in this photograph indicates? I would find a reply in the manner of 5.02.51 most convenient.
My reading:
5.32.12
